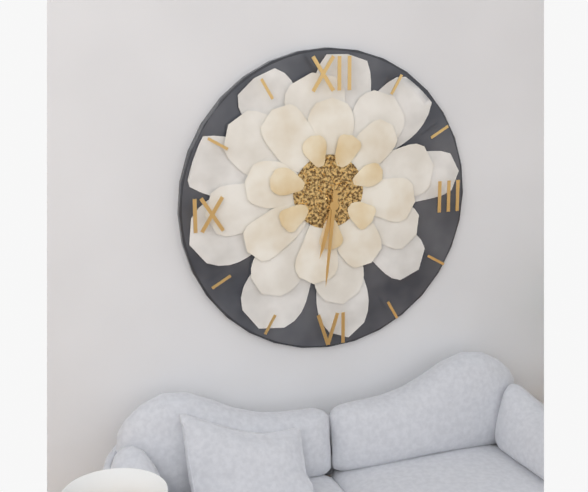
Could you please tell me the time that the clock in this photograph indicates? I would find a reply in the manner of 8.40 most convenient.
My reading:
6.31
